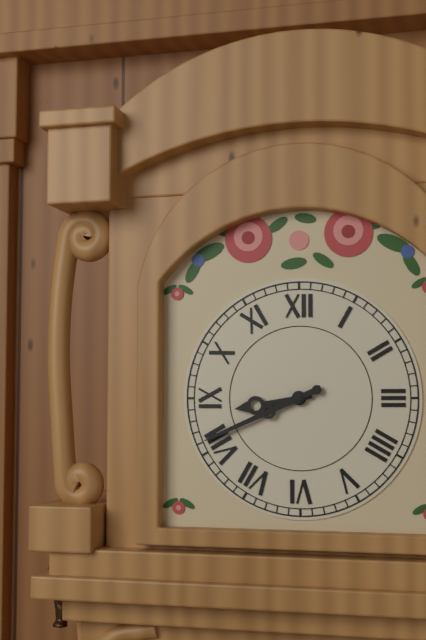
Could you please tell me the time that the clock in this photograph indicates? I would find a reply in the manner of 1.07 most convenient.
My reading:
8.41
